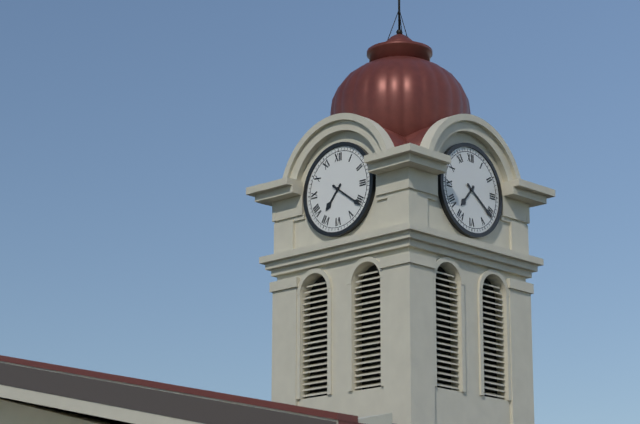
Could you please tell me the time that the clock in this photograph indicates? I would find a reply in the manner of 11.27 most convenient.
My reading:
7.21
